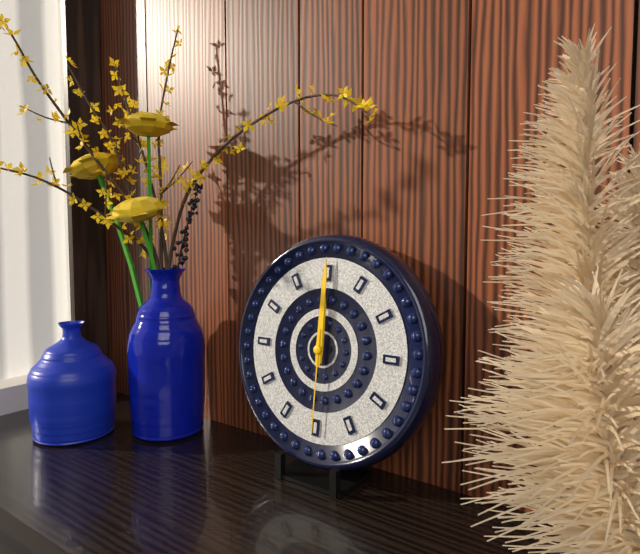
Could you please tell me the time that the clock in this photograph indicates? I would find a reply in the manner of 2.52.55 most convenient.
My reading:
12.00.30
